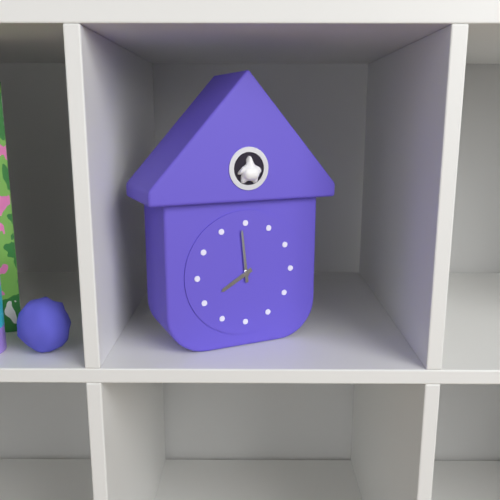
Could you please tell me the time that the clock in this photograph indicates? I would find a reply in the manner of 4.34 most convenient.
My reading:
7.59
